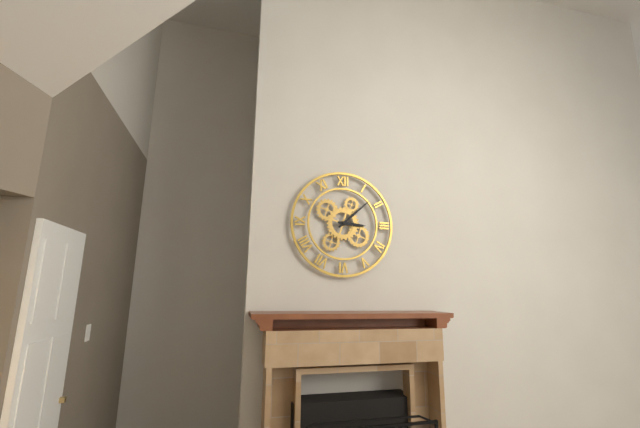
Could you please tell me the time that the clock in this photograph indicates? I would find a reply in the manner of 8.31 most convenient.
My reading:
3.08
